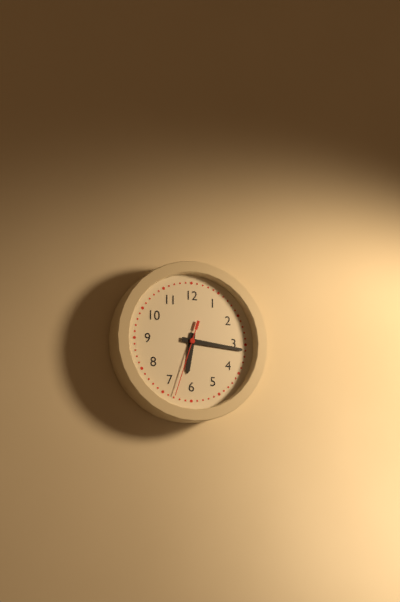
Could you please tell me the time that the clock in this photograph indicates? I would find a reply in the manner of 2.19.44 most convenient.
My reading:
6.16.33
